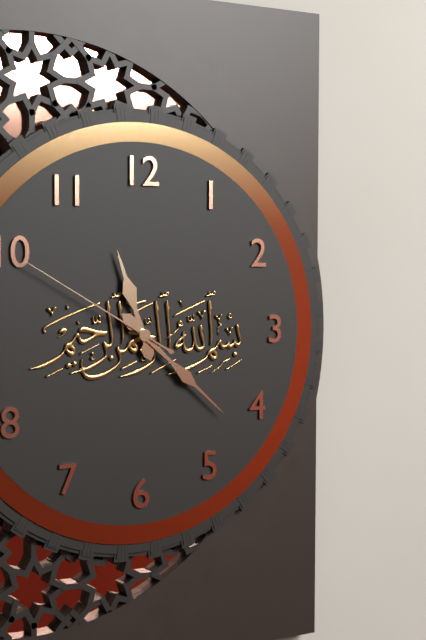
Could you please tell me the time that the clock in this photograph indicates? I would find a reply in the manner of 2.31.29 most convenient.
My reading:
11.22.50
